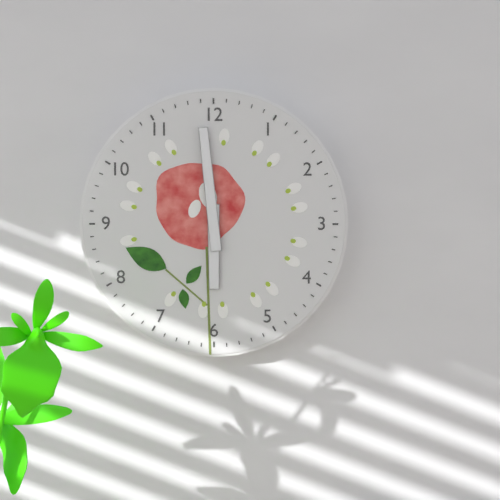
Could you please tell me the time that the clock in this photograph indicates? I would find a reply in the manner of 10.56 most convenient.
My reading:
5.59
